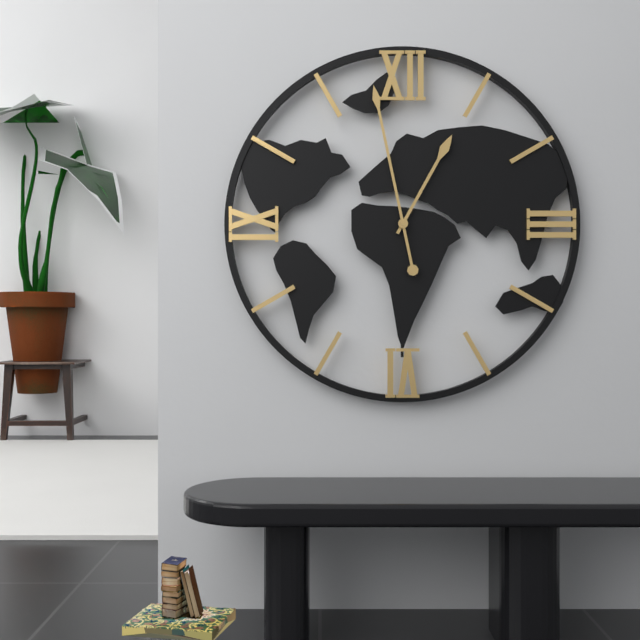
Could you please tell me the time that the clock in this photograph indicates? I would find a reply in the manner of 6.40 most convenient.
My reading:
12.58
